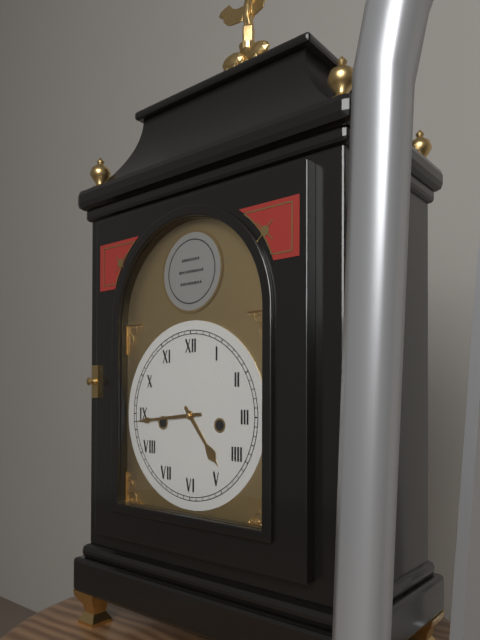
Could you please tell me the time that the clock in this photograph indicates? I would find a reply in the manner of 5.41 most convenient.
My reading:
4.44
